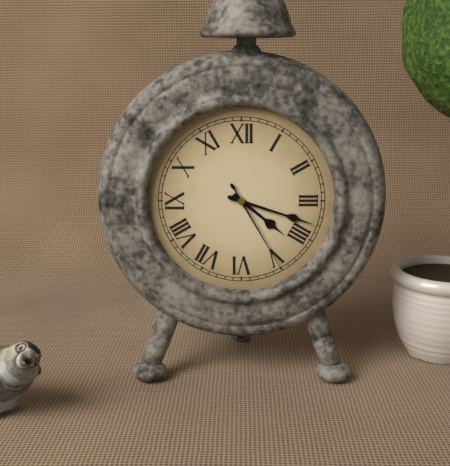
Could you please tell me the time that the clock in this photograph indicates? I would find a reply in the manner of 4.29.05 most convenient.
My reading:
4.18.25
